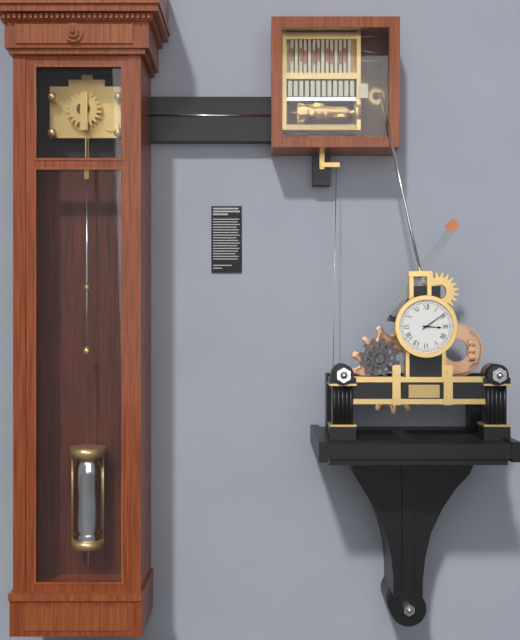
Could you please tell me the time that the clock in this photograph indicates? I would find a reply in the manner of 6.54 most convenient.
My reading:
3.09
